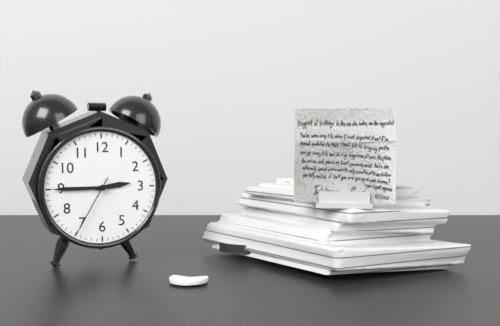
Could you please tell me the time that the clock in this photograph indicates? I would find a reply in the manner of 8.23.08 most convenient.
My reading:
2.45.35
